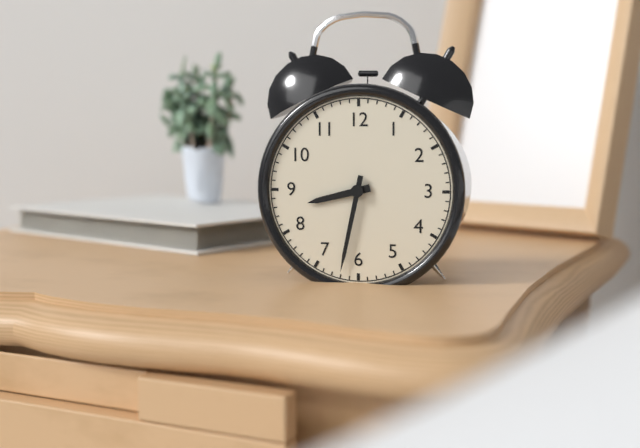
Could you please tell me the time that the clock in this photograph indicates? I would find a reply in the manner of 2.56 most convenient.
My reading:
8.32
